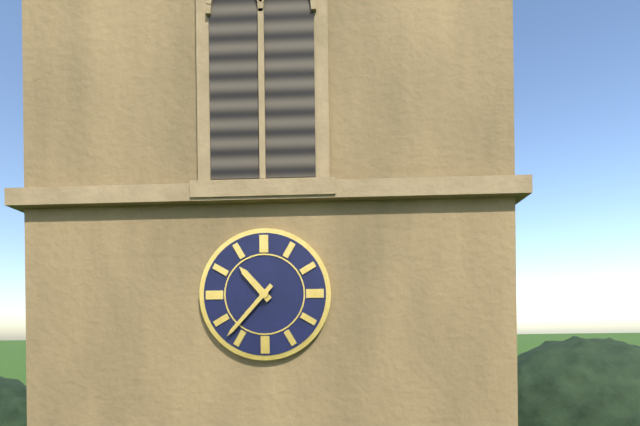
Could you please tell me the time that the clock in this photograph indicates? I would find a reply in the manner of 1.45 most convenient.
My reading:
10.37
